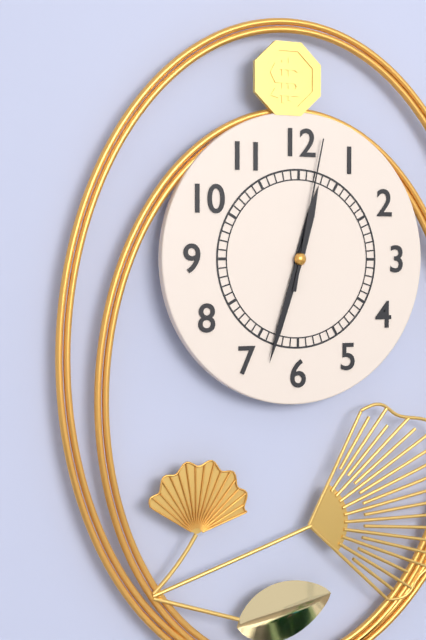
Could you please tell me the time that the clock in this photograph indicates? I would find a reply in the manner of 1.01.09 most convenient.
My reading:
12.33.02
